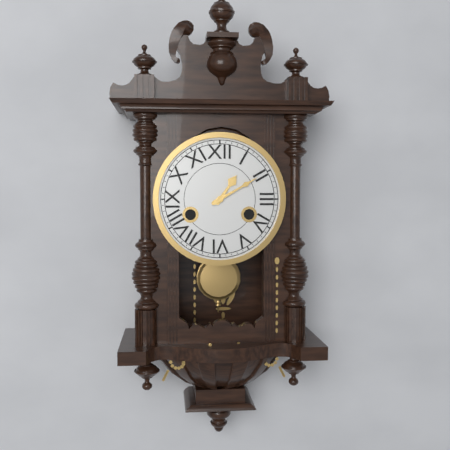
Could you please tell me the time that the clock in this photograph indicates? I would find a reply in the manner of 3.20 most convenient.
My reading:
1.10
